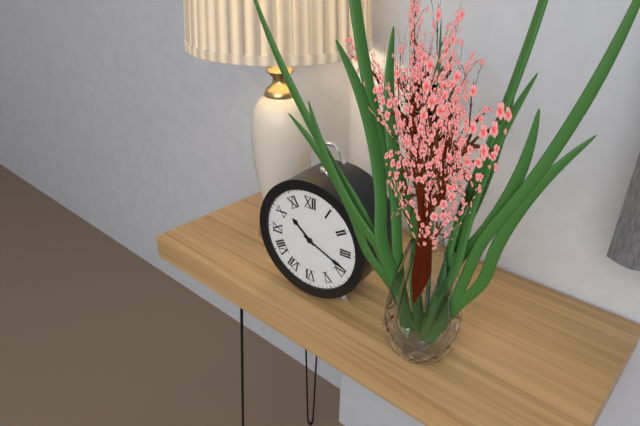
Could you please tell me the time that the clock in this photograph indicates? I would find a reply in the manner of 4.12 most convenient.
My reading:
10.19
